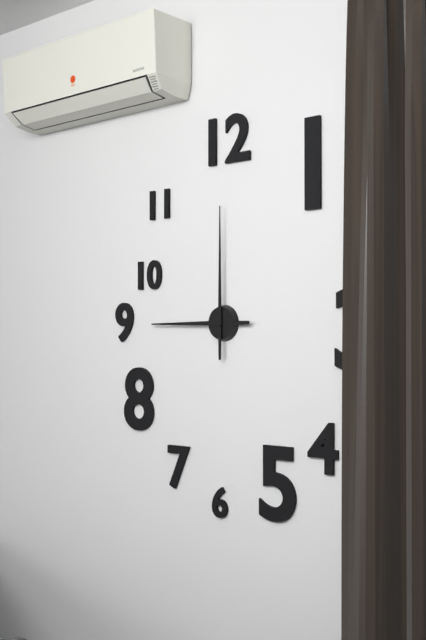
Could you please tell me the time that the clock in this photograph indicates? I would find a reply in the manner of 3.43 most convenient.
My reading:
9.00
